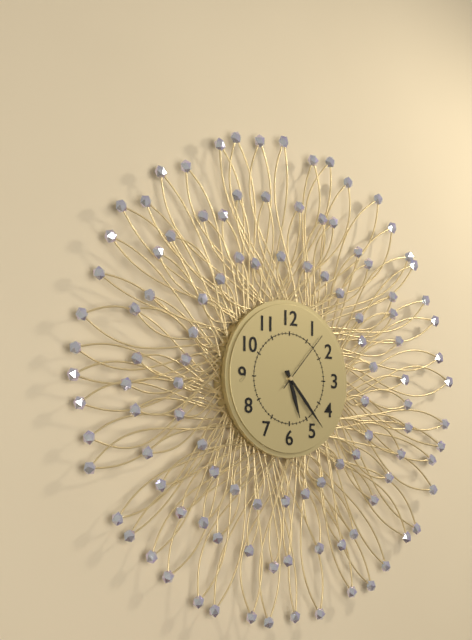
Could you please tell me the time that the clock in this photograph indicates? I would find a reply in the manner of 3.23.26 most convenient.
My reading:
5.23.07
